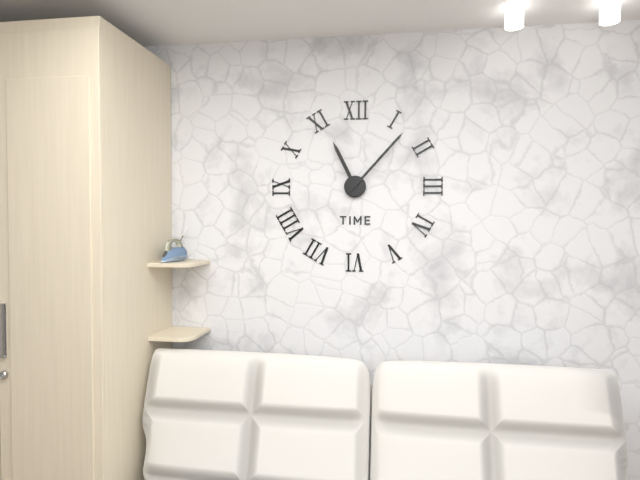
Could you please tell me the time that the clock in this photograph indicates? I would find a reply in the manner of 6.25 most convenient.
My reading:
11.07
